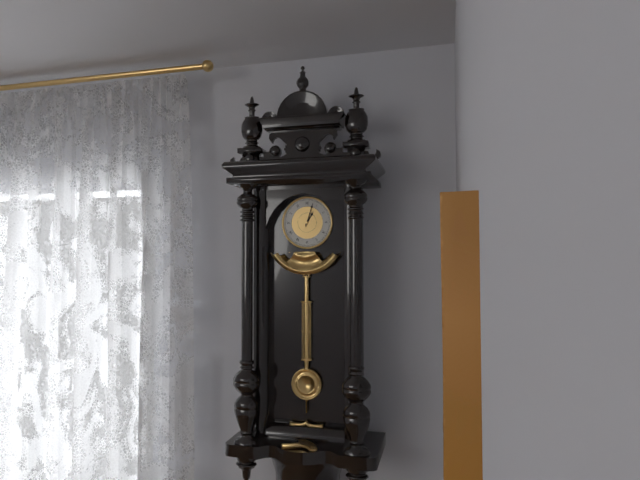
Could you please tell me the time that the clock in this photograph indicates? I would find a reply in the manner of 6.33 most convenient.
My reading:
1.03
